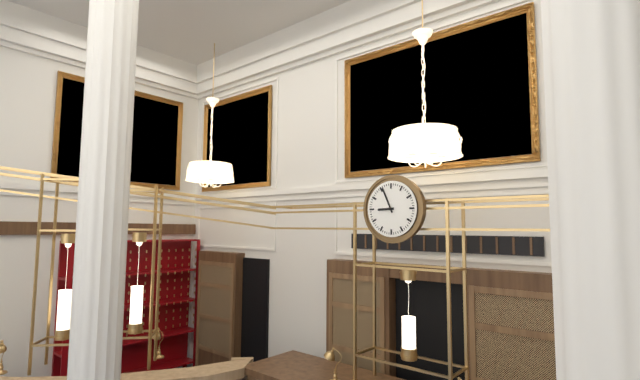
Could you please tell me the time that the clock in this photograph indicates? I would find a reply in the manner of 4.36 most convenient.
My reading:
8.56
